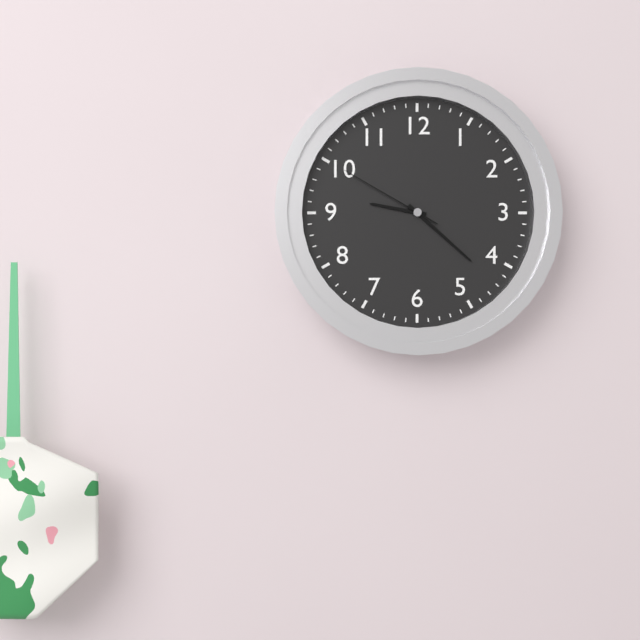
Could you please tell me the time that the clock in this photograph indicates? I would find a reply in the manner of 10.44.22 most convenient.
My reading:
9.22.50
